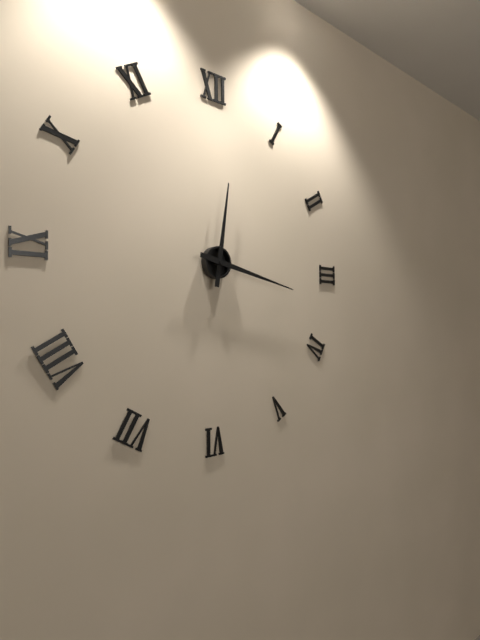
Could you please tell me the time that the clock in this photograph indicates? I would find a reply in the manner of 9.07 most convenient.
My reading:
12.17
